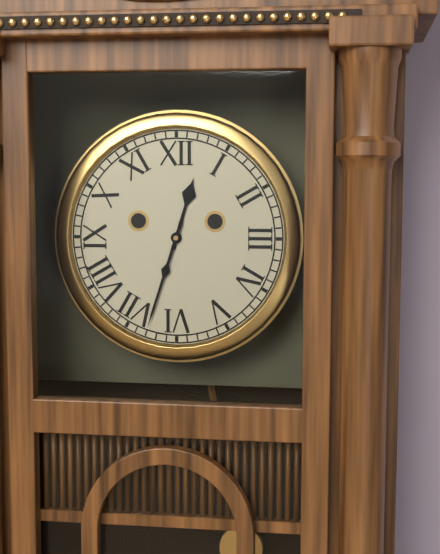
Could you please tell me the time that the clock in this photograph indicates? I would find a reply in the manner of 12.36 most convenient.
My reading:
12.33
